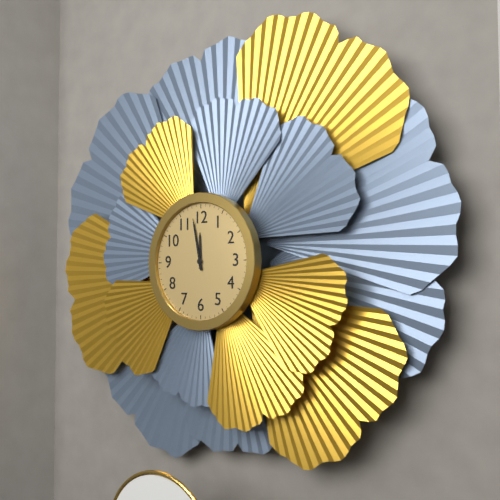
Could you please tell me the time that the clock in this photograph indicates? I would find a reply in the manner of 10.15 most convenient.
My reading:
11.58
